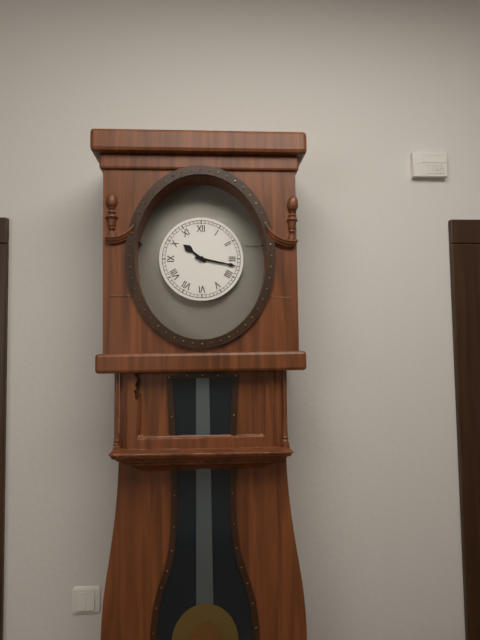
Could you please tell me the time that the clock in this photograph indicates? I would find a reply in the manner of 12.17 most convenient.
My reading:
10.17
